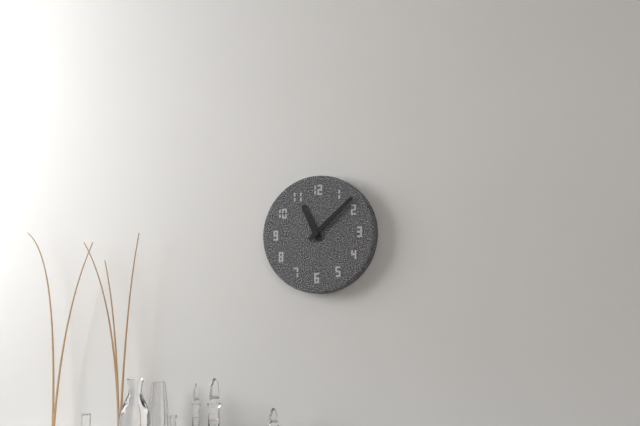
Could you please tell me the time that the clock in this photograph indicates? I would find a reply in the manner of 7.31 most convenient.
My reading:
11.08
